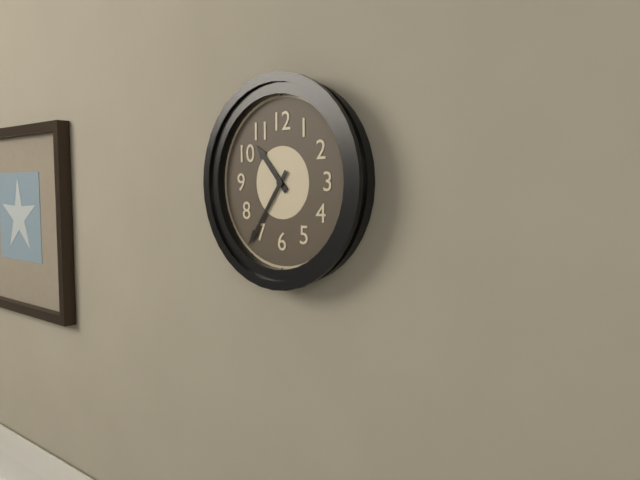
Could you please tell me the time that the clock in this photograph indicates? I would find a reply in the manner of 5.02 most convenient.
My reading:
10.36
